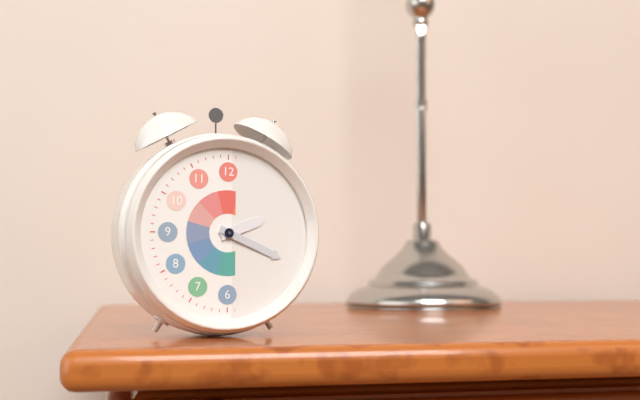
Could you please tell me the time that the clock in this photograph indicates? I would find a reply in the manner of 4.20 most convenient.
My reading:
2.19
